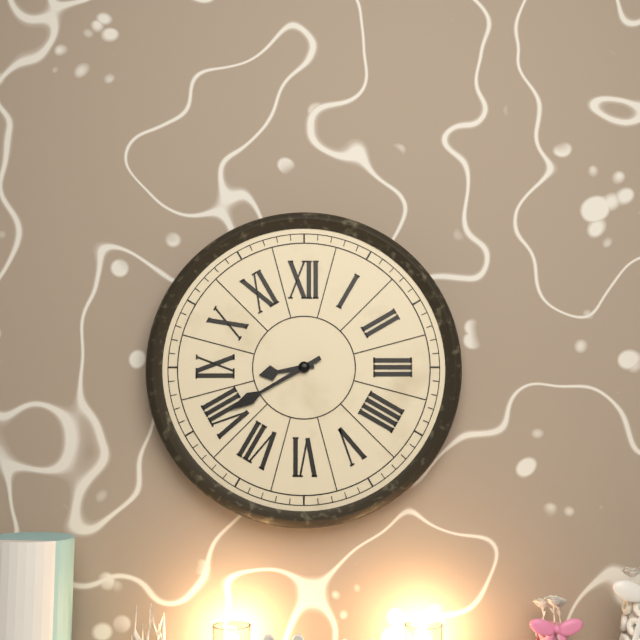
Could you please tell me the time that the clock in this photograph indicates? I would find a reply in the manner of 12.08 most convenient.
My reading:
8.40
